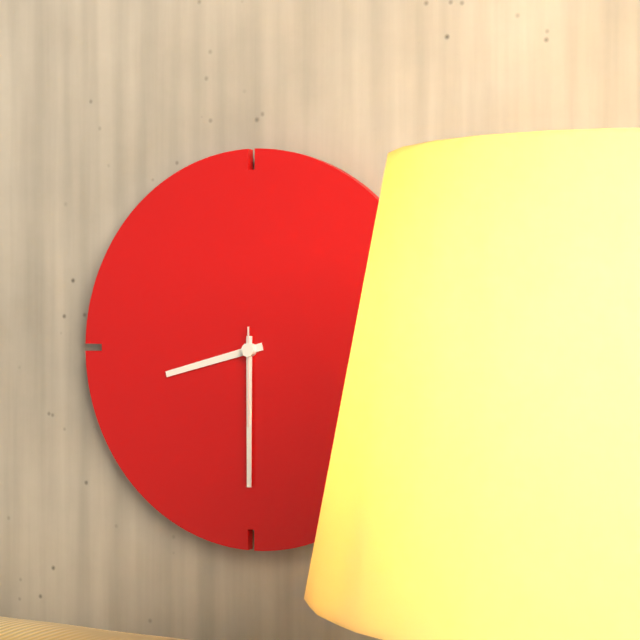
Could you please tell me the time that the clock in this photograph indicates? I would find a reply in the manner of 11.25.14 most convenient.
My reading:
8.30.30
